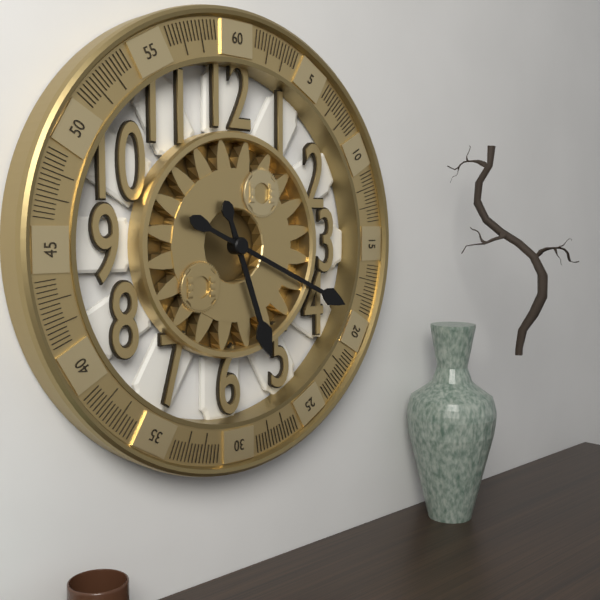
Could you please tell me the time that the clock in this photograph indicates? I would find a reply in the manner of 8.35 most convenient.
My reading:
5.19
